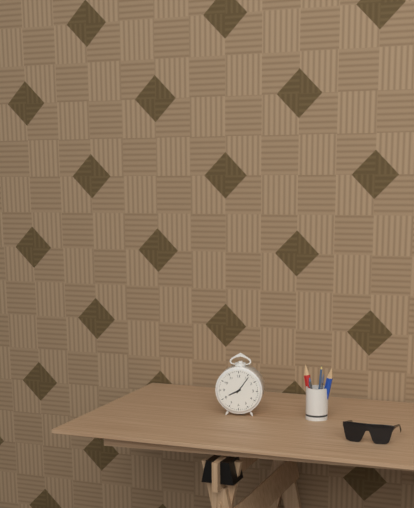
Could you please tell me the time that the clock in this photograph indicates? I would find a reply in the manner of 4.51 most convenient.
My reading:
8.06
